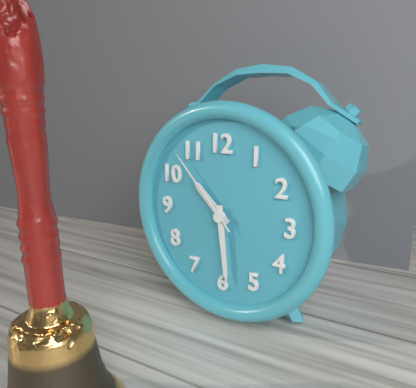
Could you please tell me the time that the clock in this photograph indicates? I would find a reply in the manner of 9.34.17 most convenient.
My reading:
10.29.53
